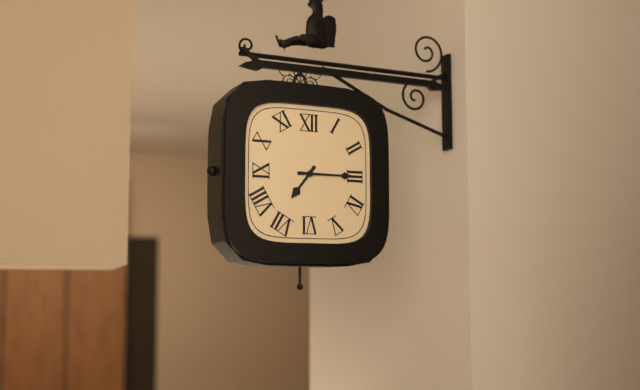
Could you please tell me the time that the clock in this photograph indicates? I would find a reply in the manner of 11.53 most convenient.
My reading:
7.15
